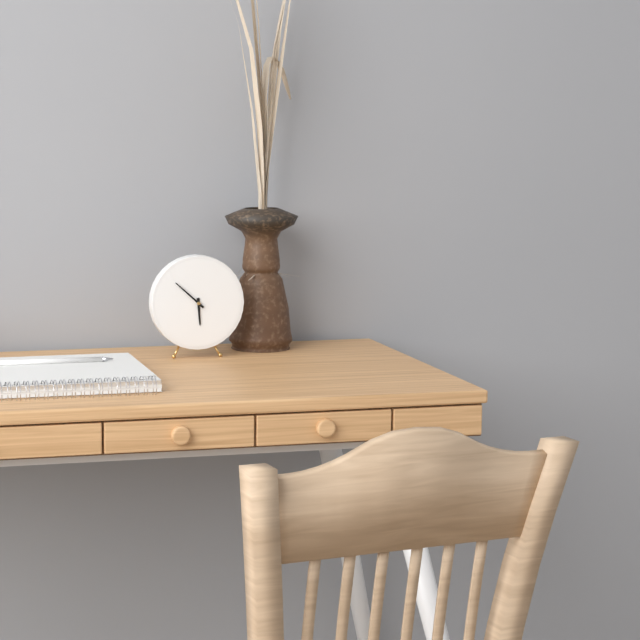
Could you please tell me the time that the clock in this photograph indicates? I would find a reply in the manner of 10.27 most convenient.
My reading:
5.52
